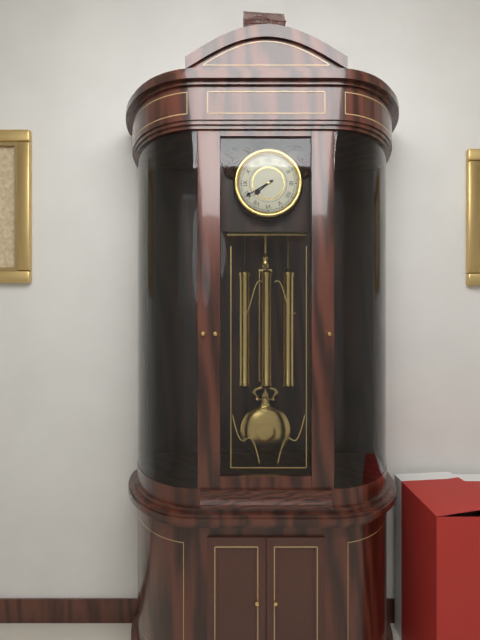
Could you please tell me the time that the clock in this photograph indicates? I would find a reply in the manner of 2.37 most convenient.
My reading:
7.40
